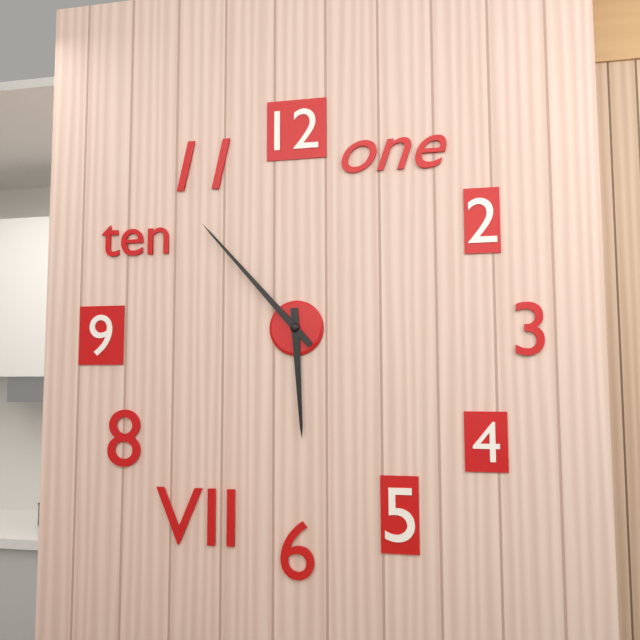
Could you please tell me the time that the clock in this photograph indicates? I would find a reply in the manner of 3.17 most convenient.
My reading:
5.53
